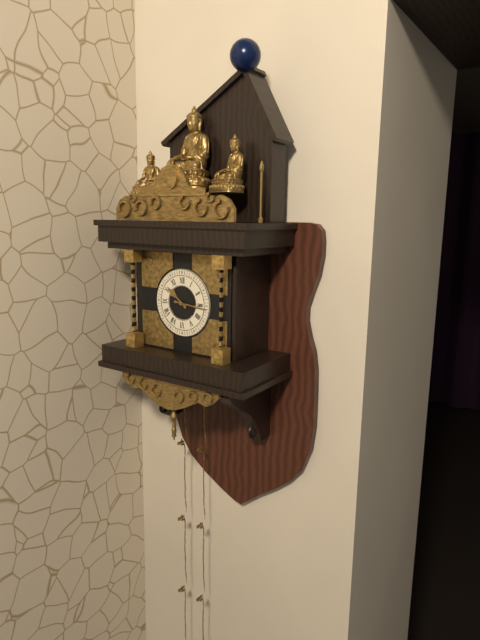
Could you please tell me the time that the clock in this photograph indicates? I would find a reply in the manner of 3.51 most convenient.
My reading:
10.16
